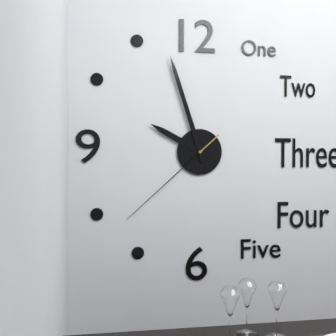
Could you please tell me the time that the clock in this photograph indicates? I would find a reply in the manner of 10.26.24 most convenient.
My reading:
9.57.38
